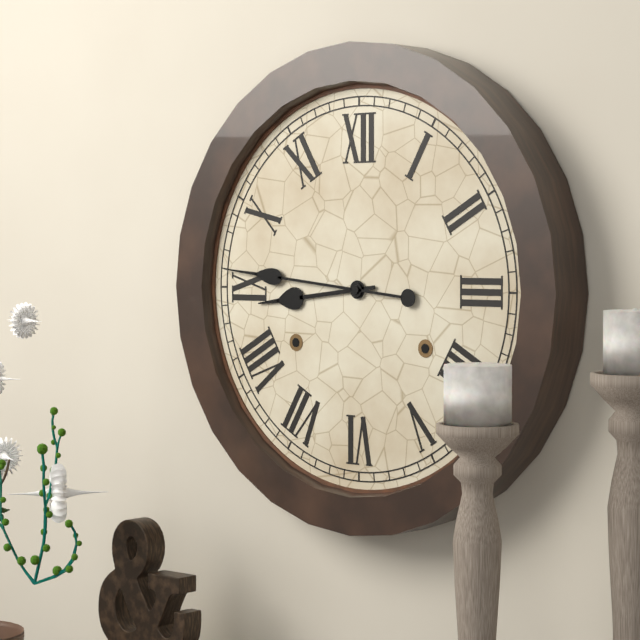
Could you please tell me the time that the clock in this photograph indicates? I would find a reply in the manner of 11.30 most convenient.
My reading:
8.46
